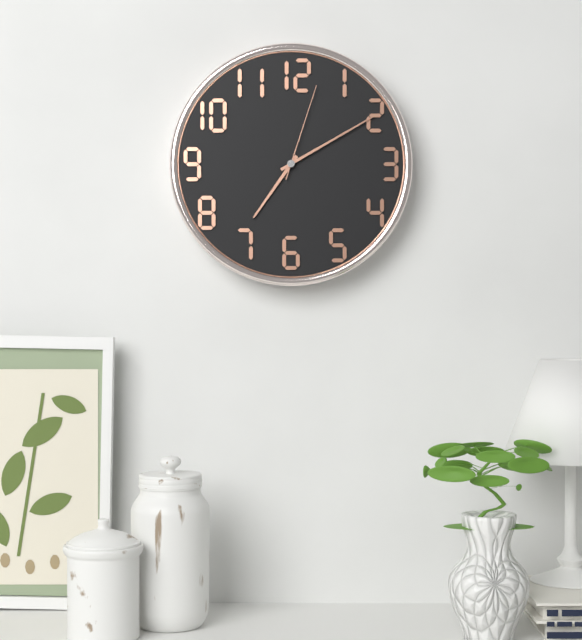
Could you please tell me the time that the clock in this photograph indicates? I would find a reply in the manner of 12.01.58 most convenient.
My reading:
7.10.03
